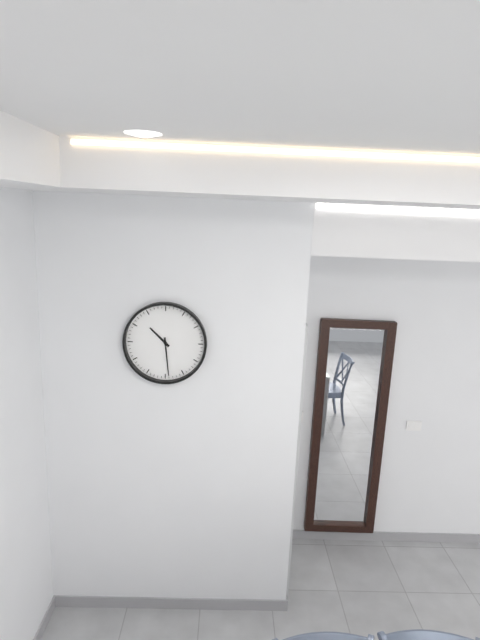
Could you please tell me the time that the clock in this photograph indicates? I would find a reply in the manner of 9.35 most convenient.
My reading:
10.29
